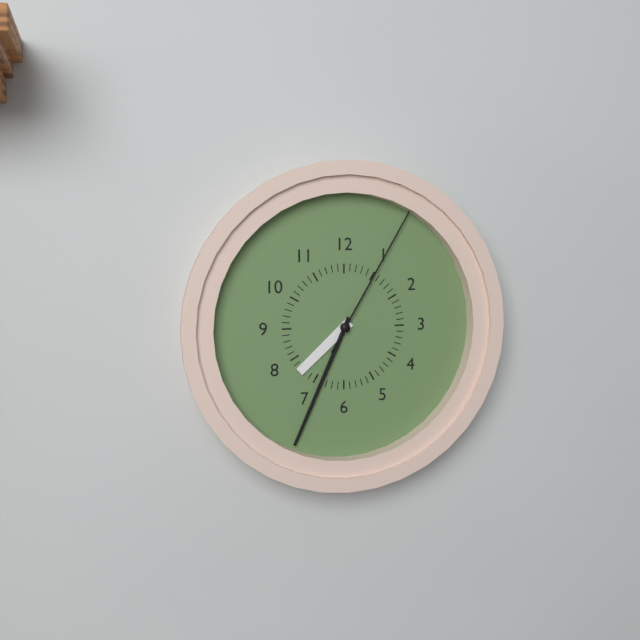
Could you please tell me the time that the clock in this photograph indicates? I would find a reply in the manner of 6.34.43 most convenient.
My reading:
7.34.05
